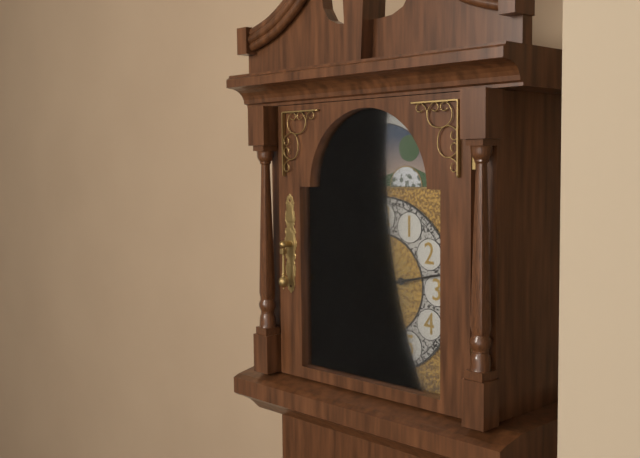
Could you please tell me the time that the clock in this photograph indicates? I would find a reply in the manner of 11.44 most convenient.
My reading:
6.13
